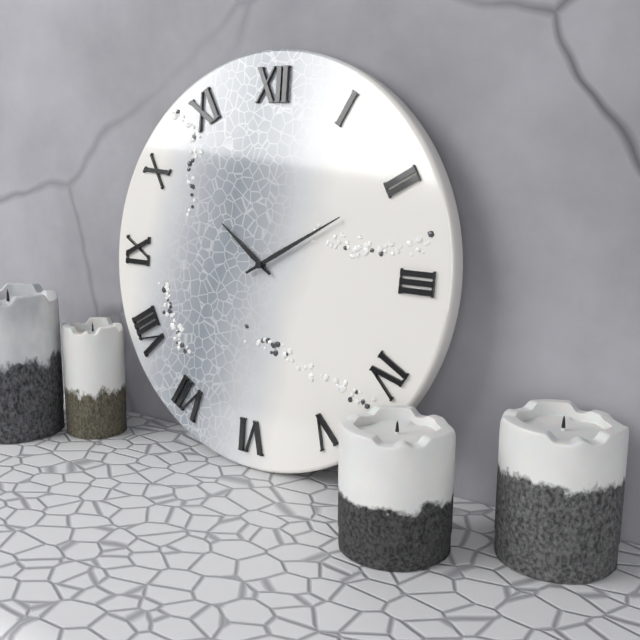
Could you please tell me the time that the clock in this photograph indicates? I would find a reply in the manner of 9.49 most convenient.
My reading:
10.10
